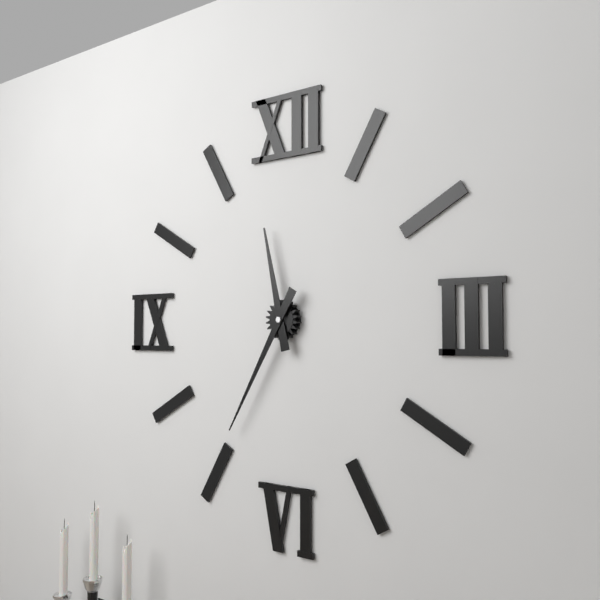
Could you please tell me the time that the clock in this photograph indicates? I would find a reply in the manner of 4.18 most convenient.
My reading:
11.35
